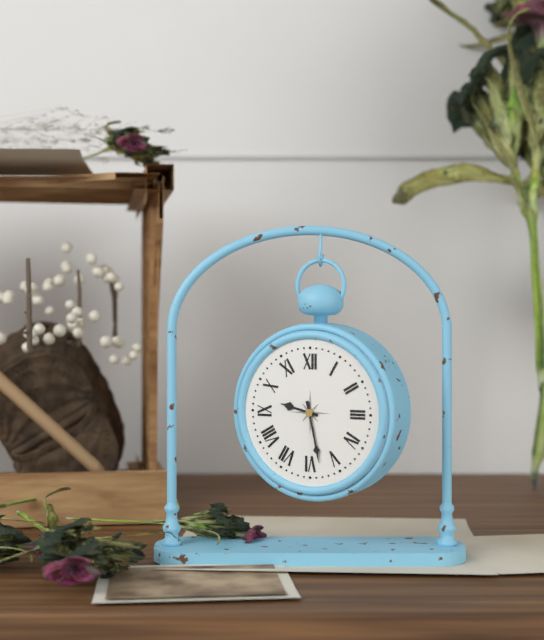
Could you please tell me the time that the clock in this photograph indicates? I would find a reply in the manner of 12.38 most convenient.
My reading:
9.28
